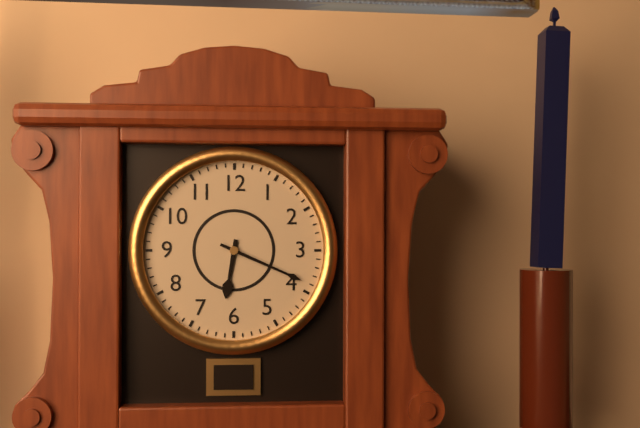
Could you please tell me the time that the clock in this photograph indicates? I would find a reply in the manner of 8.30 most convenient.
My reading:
6.19
